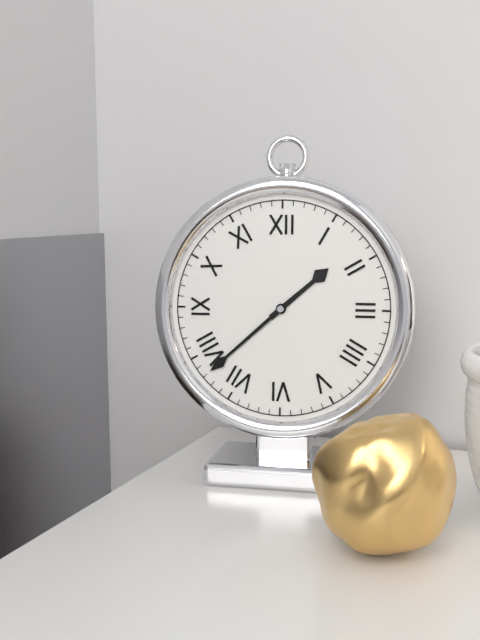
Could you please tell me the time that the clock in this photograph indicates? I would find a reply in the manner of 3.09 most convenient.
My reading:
1.38
